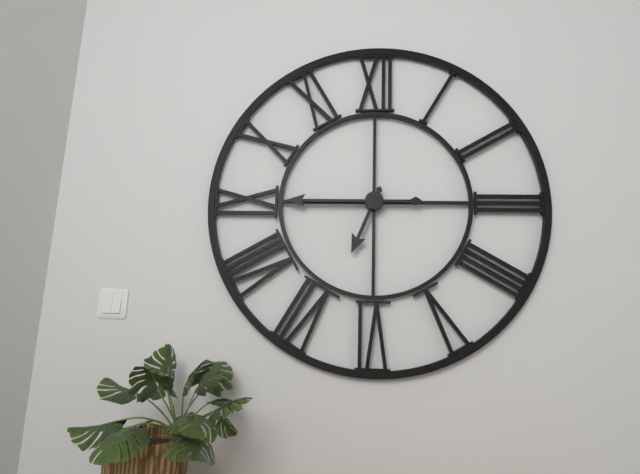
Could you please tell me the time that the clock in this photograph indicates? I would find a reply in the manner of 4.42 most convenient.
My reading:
6.45
